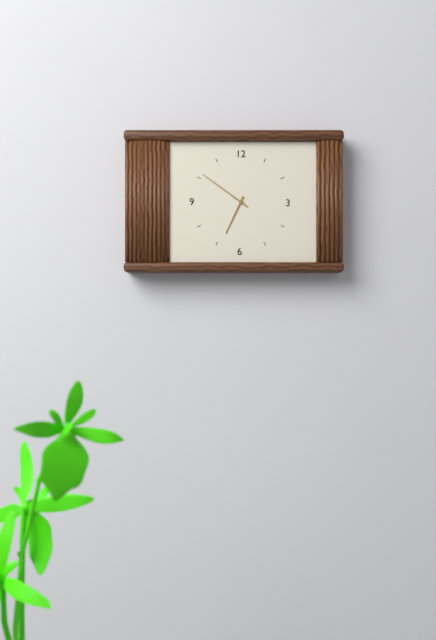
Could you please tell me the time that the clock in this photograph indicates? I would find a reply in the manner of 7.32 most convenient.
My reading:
6.51
